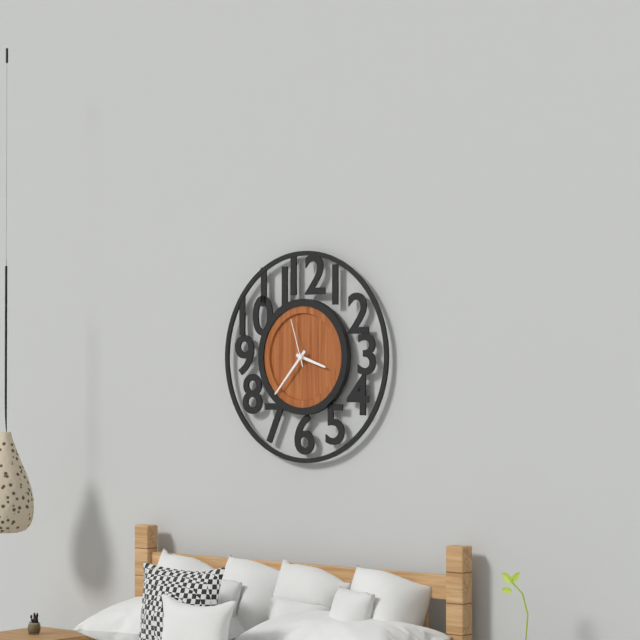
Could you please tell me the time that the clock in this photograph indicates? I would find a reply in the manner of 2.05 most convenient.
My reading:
3.37
